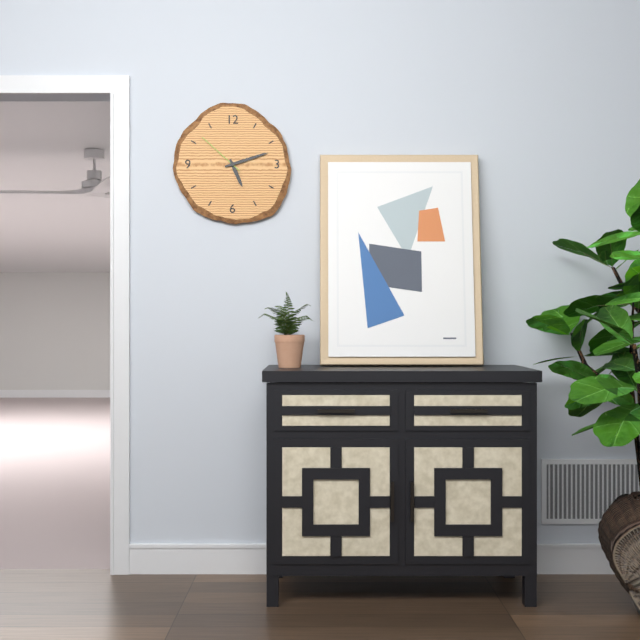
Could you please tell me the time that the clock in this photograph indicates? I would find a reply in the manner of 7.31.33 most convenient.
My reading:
5.12.52
